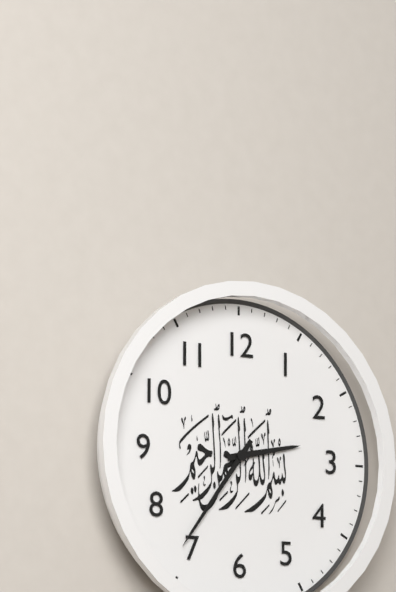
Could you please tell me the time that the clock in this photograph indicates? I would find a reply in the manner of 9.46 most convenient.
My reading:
2.36
